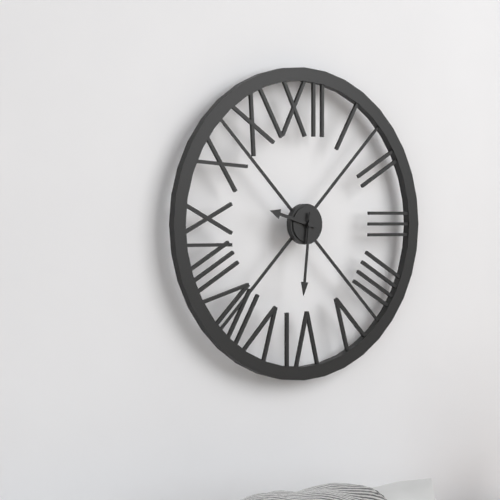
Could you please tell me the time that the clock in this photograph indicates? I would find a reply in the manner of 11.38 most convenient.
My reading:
9.31
